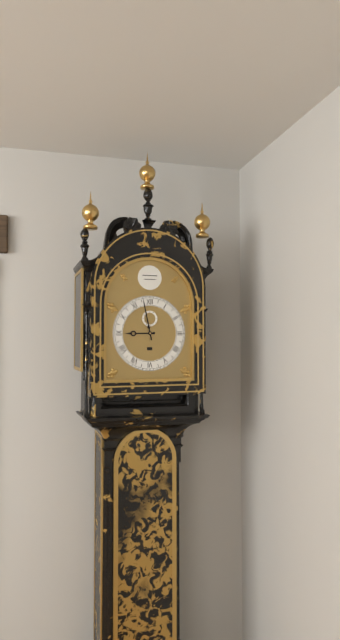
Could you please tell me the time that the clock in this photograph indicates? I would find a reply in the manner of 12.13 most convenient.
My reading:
8.58
